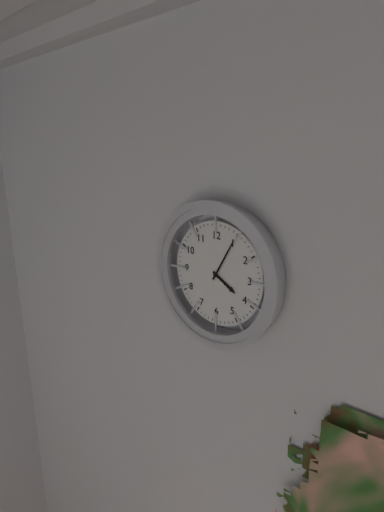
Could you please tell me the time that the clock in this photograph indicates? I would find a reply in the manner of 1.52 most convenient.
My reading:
4.05
